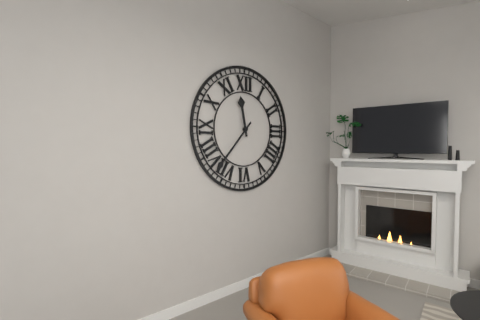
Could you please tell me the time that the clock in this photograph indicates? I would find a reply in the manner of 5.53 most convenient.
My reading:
11.37
